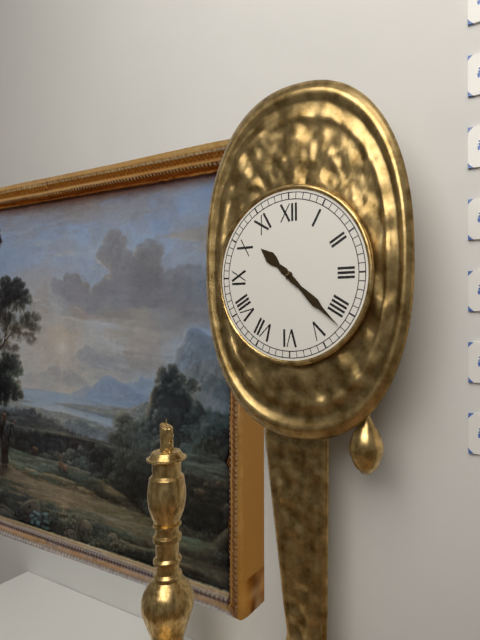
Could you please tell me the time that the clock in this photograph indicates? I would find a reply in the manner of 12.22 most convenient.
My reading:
10.22
